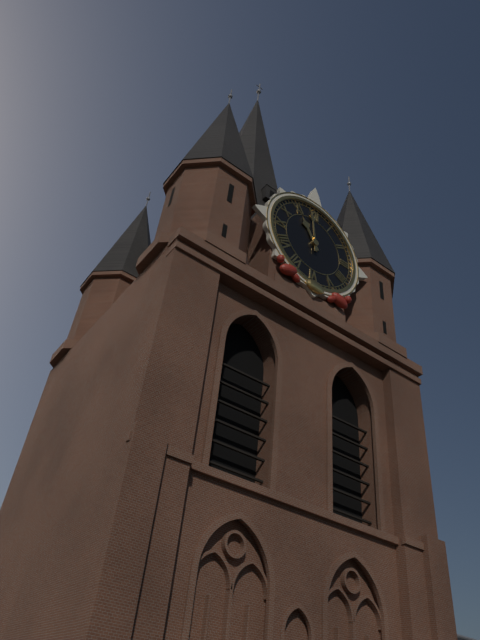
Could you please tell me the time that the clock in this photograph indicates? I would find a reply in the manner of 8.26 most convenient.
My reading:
10.59
